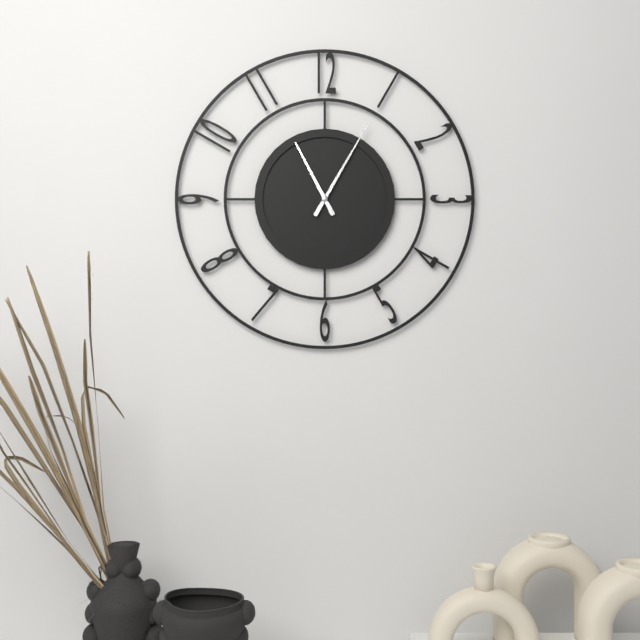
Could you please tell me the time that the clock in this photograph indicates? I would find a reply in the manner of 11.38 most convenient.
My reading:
11.05
